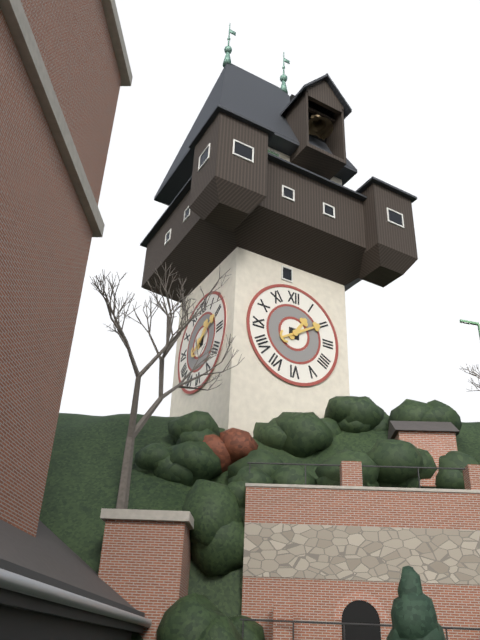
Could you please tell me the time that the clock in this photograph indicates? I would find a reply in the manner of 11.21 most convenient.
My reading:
1.10
